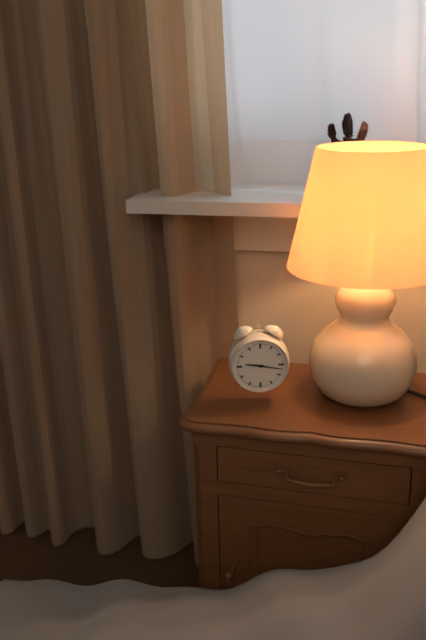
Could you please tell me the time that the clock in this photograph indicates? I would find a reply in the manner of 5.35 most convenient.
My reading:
9.17
